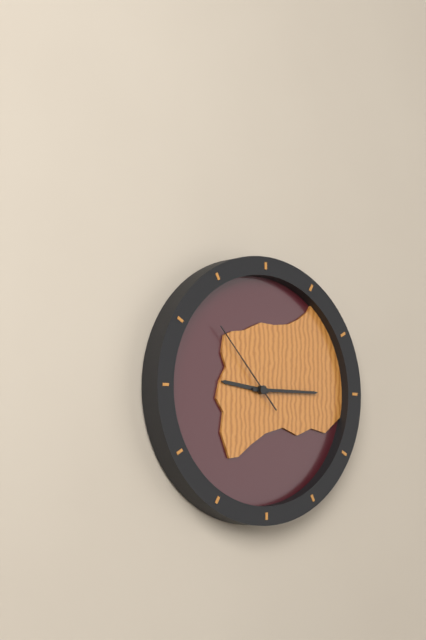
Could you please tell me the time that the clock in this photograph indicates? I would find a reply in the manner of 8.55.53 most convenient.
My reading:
9.15.53
